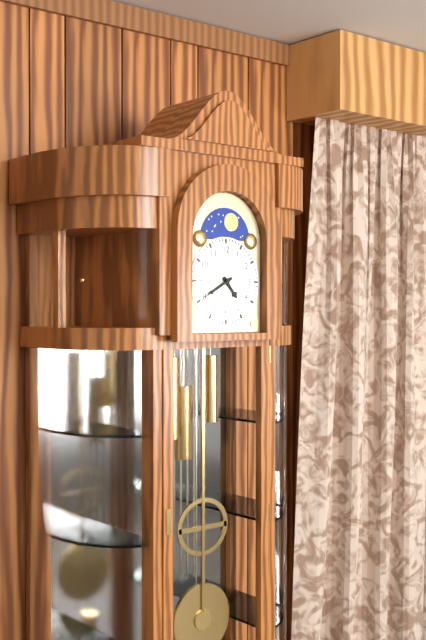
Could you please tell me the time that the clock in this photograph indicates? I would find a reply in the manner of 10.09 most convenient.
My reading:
4.40
